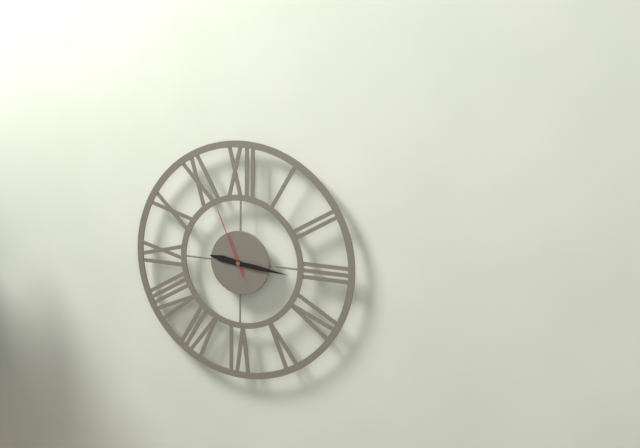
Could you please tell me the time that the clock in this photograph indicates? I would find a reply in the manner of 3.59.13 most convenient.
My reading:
9.16.56
